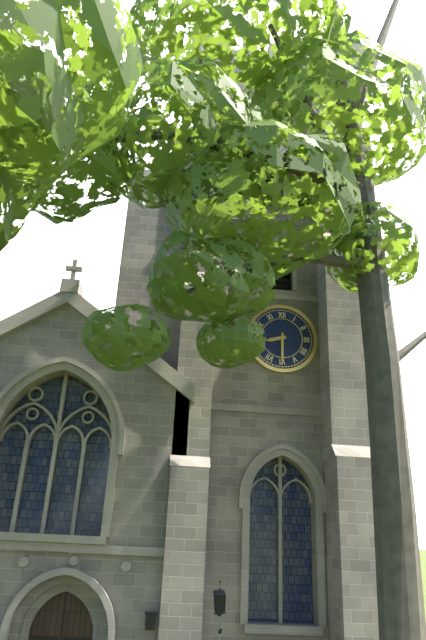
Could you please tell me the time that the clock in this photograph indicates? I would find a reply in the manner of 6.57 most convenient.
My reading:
8.30
